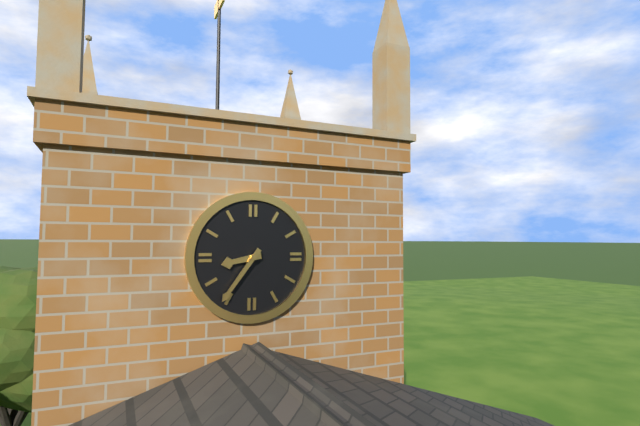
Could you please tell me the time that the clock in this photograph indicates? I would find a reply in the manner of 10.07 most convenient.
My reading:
8.36
